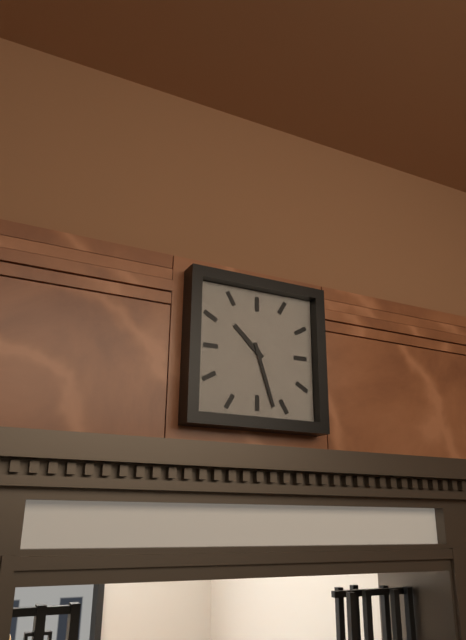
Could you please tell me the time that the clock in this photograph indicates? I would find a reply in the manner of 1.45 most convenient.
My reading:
10.27
